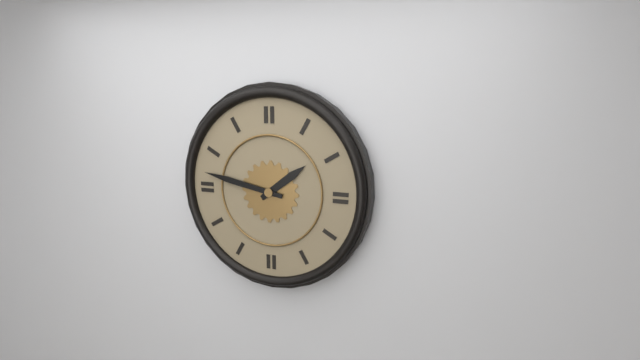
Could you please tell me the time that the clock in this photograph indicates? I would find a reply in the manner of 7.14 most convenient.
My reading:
1.47
